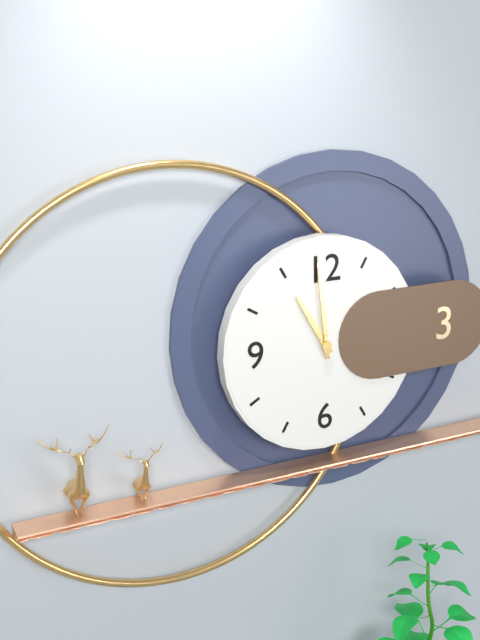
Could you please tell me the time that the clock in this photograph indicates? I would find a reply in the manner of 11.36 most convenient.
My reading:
10.59
